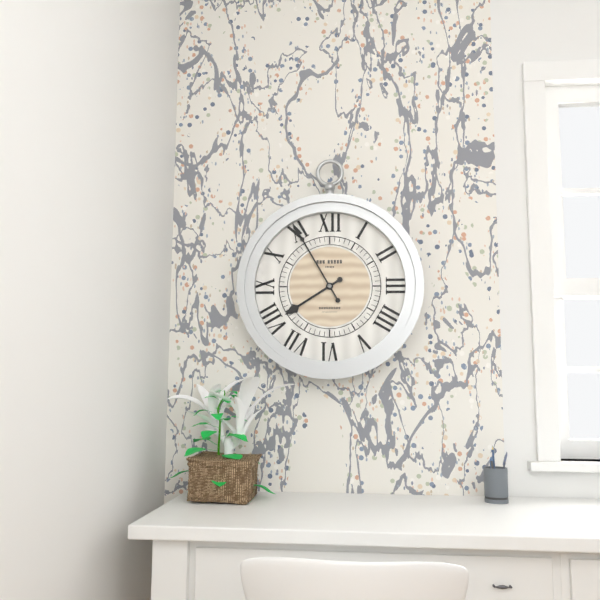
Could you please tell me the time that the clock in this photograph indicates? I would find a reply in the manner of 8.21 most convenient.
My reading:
7.55
